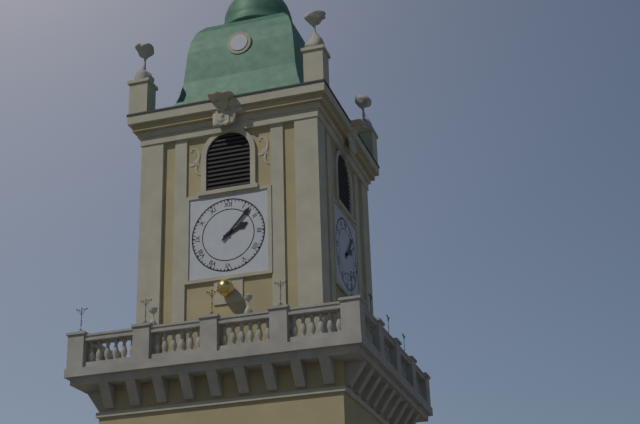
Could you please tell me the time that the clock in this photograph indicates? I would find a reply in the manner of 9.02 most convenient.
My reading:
2.07
